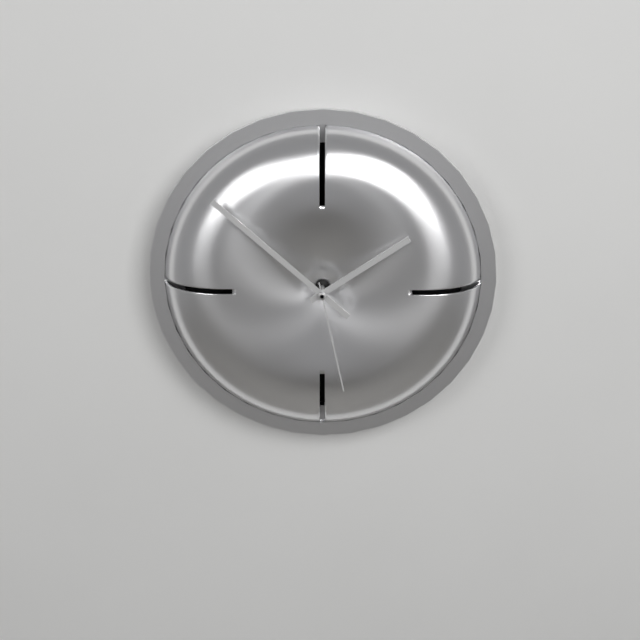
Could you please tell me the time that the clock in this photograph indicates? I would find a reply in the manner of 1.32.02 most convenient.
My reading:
1.52.28
